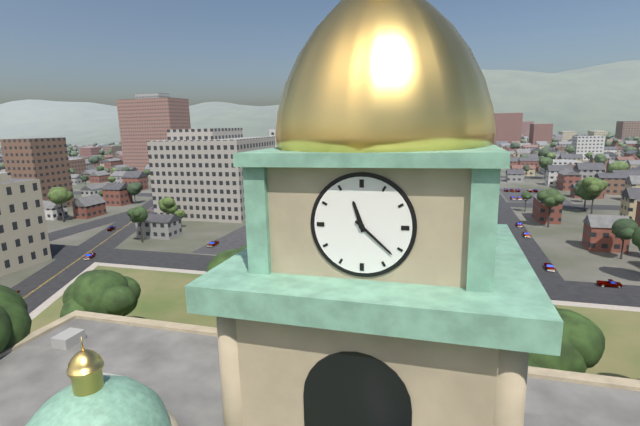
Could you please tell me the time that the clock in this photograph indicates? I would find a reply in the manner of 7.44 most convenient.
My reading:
11.22
